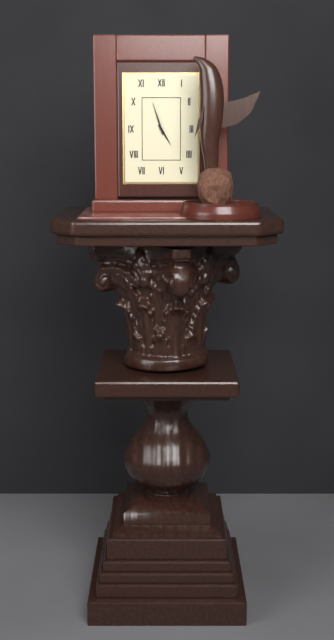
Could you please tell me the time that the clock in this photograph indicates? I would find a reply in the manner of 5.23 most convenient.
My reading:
4.57
